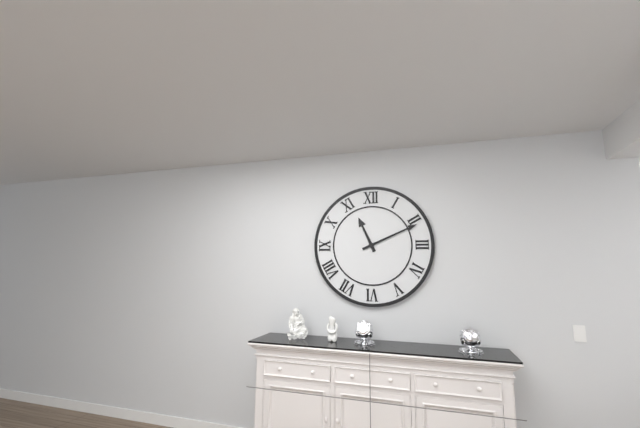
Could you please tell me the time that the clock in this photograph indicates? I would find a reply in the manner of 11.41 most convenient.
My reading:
11.11
